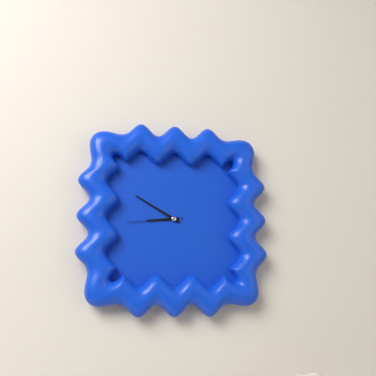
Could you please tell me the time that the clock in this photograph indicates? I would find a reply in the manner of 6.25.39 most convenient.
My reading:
8.50.44
